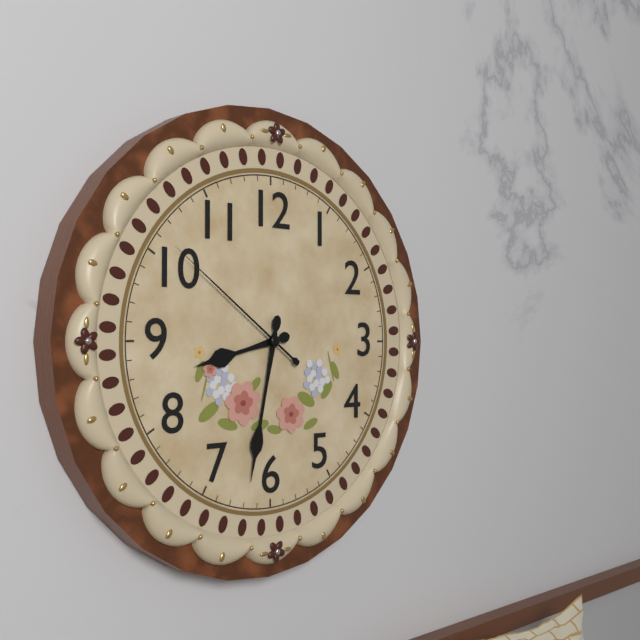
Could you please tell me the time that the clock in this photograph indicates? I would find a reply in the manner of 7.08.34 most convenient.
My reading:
8.32.51
